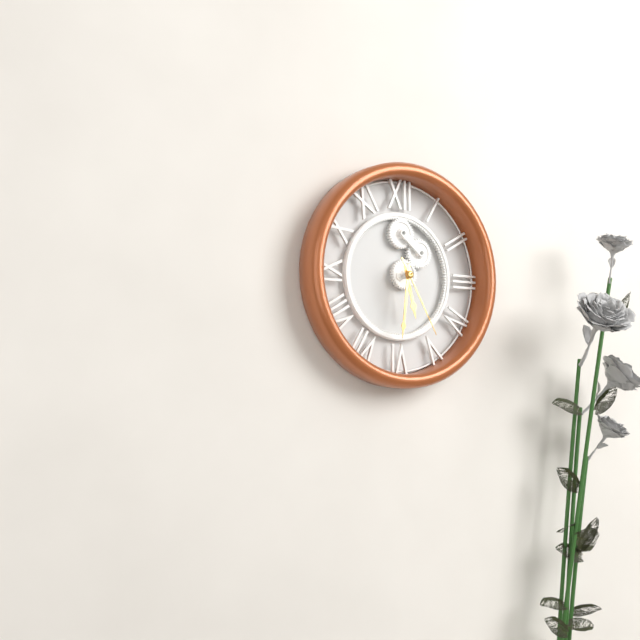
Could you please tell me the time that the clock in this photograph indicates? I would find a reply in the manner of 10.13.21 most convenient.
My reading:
5.31.25
